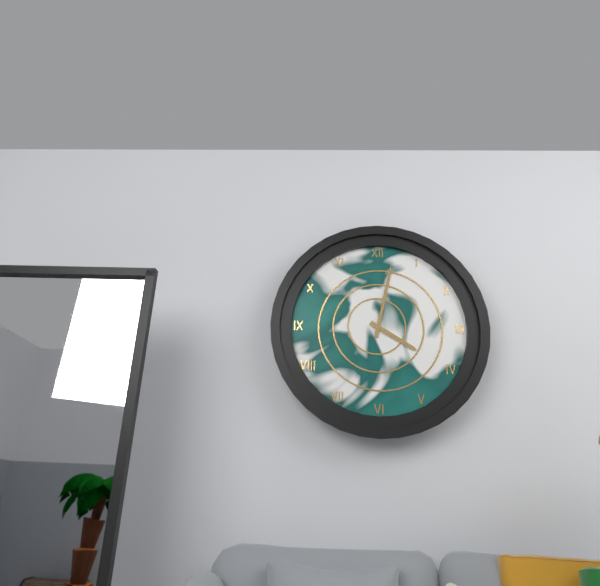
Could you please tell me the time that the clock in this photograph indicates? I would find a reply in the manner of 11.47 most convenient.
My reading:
4.02
